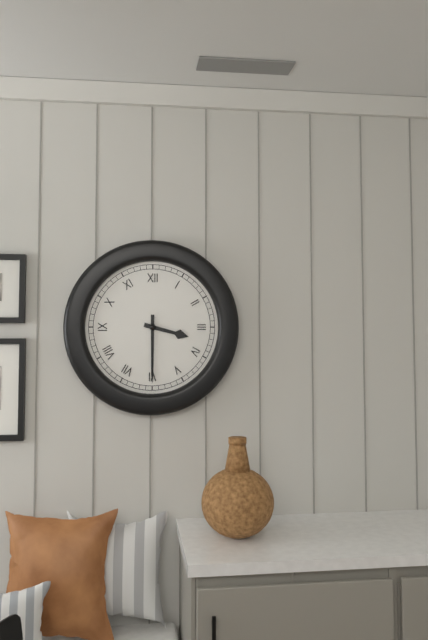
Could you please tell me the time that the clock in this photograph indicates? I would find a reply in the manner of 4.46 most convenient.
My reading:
3.30
